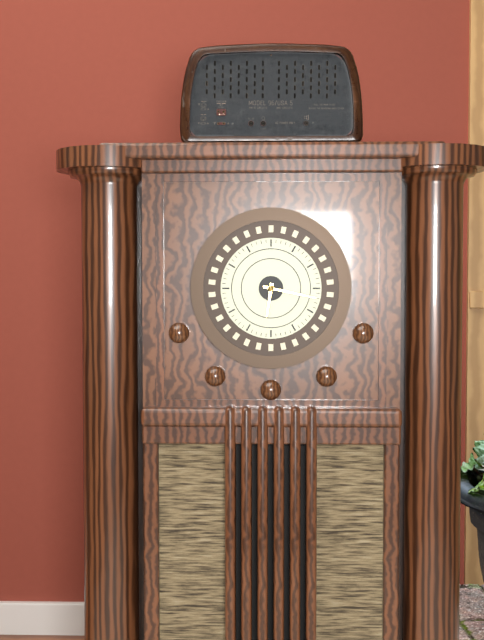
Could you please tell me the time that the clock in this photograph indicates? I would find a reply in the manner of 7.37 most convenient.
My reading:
6.17
